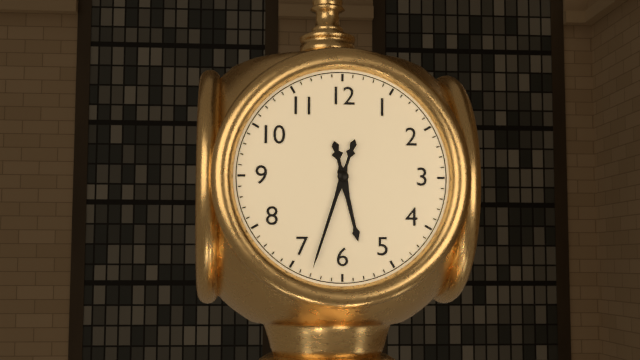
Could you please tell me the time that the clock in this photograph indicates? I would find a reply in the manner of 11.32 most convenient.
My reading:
5.33
